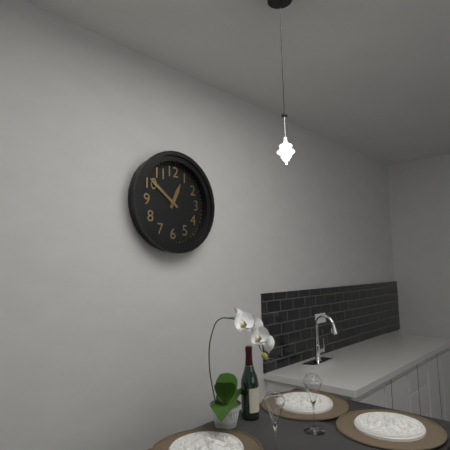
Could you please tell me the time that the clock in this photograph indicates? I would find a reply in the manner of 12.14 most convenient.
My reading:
12.51
